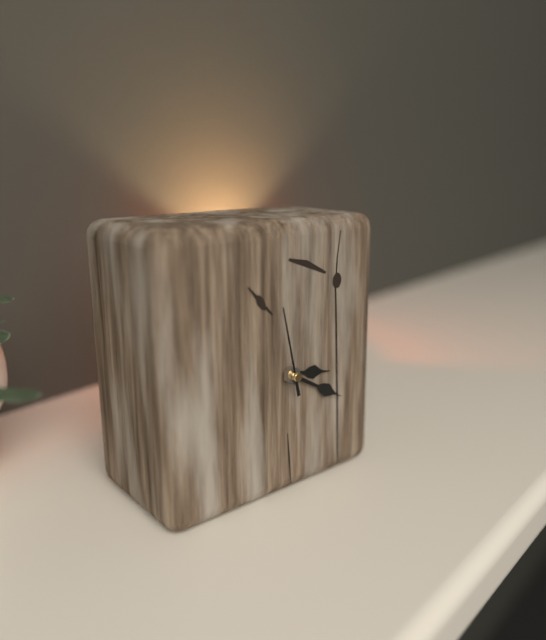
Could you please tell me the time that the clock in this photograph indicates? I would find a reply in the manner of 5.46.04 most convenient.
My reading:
3.20.58
